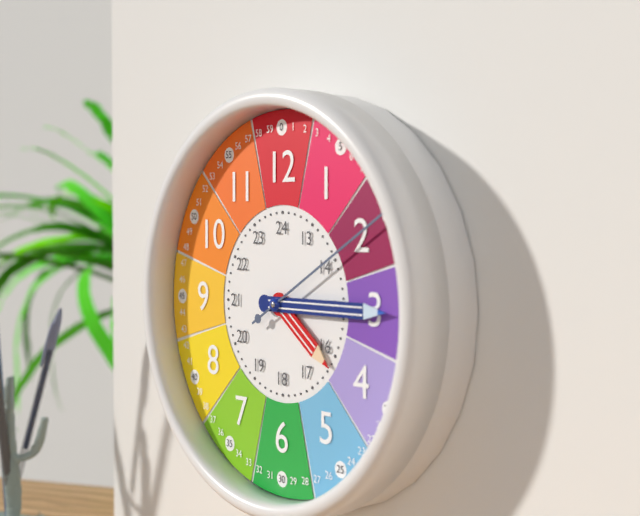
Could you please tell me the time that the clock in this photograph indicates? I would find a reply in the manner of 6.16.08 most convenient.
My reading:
4.15.10
